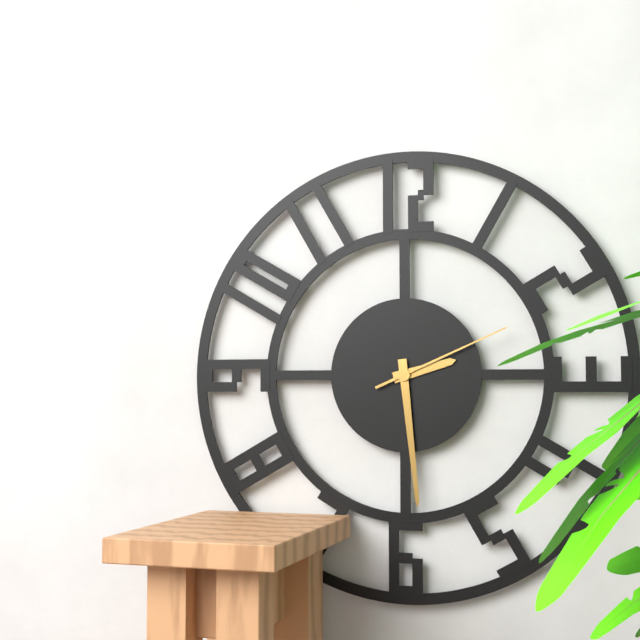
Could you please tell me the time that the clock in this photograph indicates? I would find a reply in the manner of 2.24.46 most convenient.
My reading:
2.29.11
